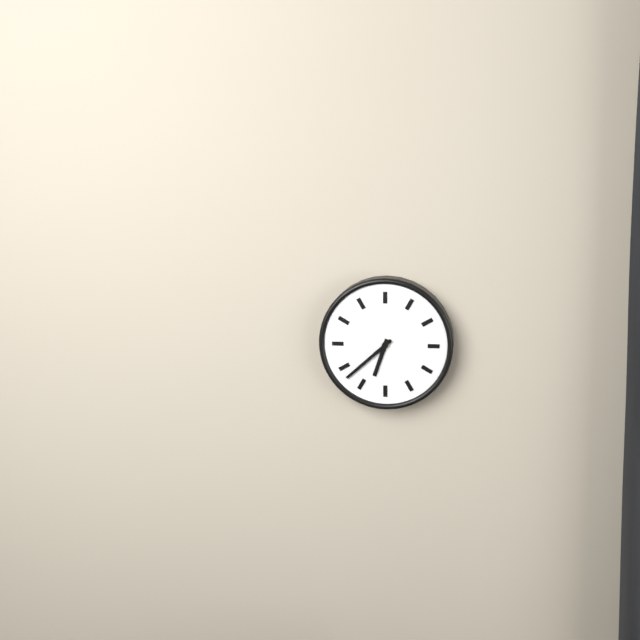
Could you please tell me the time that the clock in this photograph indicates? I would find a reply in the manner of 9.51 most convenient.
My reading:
6.38
